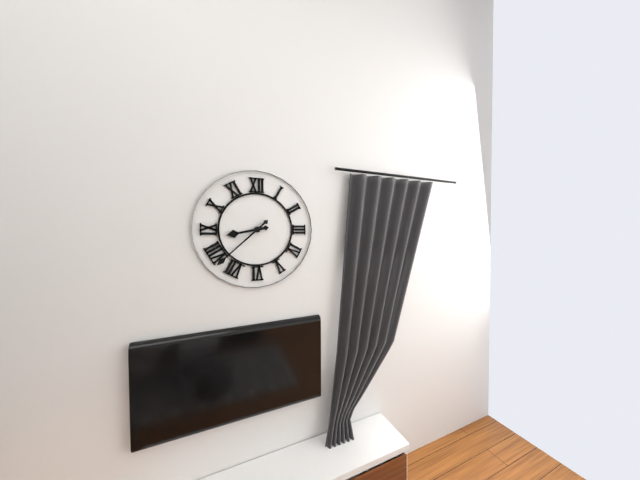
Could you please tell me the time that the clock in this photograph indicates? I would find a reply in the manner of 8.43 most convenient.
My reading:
8.38
